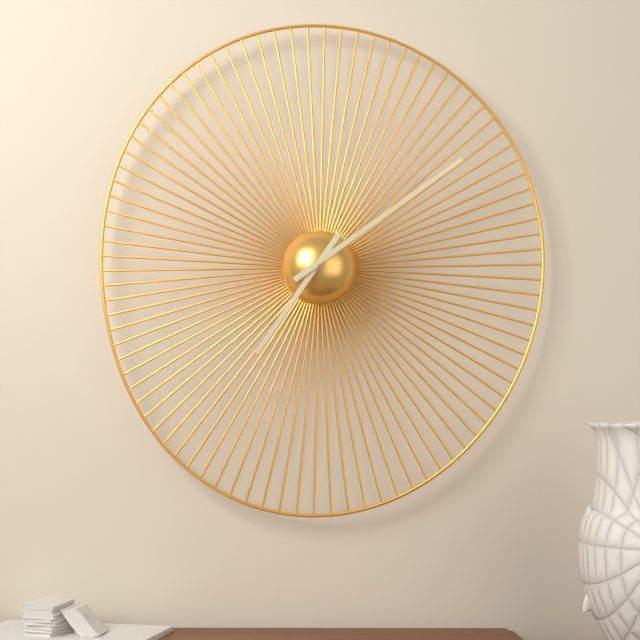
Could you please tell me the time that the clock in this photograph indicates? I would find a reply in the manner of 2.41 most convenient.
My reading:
7.09
